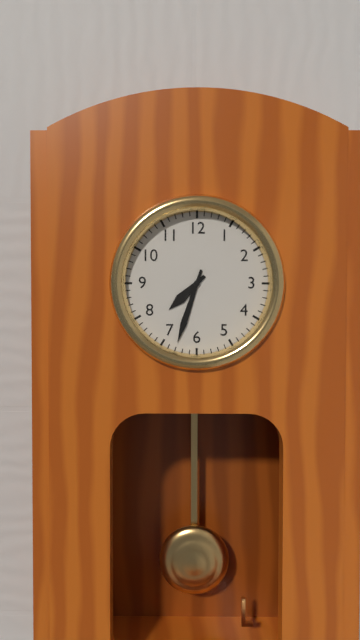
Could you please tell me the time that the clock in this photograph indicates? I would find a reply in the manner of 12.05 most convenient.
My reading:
7.33
